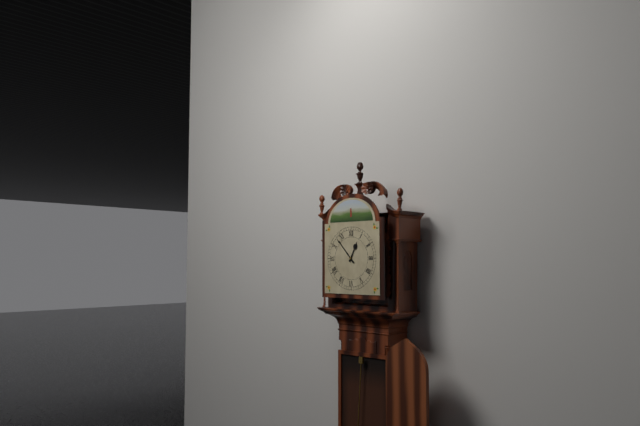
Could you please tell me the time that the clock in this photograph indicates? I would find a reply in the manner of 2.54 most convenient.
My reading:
12.53
